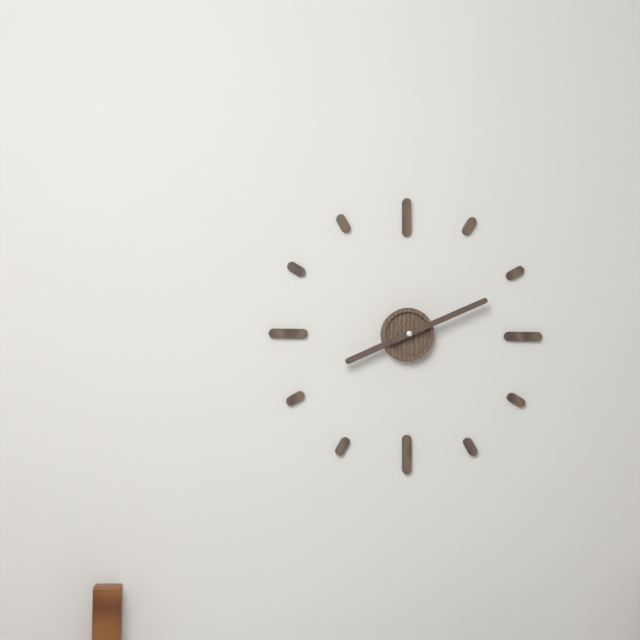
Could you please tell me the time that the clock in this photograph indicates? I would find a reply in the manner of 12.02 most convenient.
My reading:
8.11
